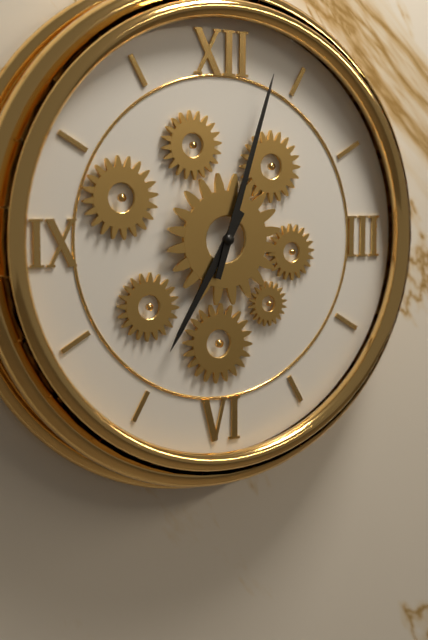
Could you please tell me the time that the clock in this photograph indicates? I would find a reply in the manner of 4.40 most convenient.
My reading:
7.03
